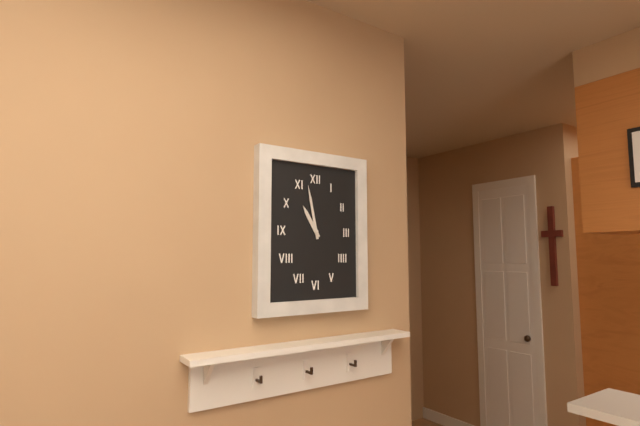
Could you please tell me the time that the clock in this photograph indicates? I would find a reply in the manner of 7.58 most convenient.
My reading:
10.58
